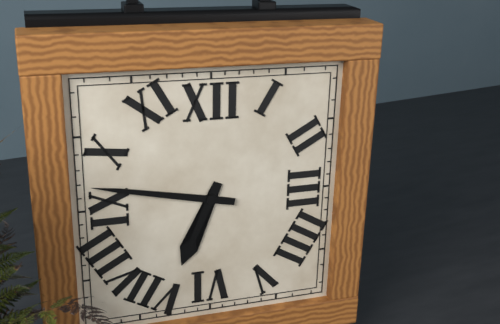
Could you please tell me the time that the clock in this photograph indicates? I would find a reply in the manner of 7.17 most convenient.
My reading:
6.47
